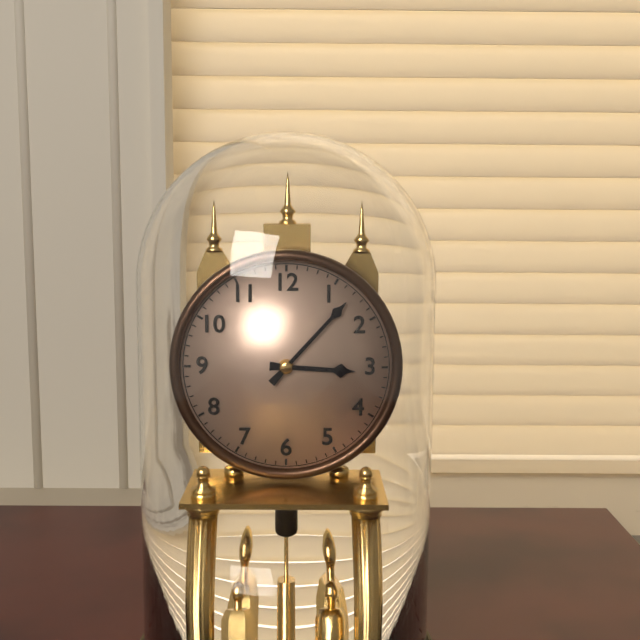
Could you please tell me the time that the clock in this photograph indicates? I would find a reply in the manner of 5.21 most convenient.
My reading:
3.07
